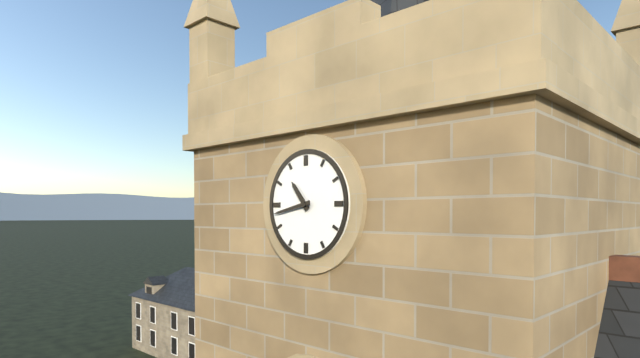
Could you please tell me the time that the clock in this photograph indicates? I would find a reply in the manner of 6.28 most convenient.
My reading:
10.43
